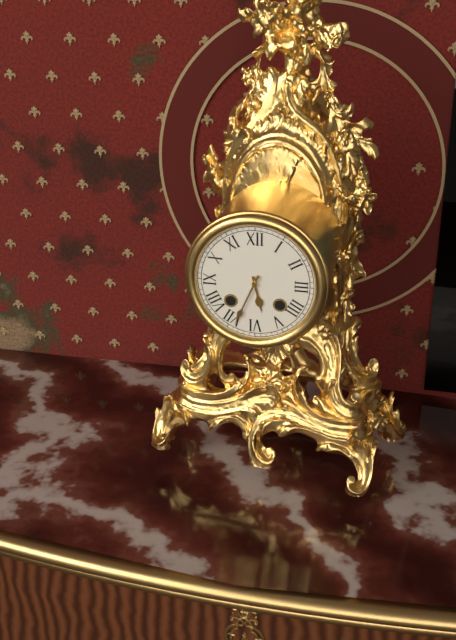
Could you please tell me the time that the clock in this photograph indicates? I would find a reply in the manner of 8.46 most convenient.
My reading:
5.34
